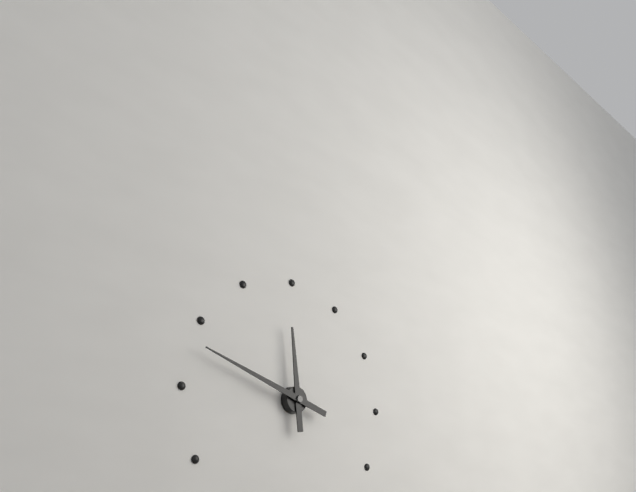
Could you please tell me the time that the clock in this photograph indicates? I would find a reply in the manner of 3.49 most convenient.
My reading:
11.48
